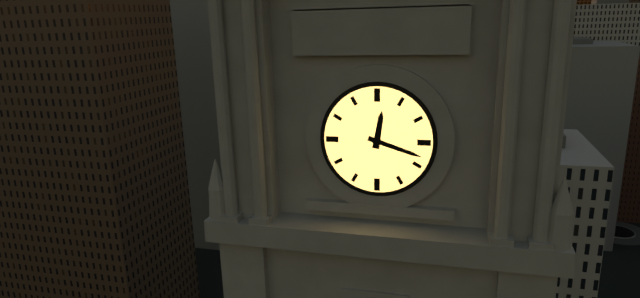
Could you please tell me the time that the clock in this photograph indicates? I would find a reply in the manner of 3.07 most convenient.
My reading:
12.18
